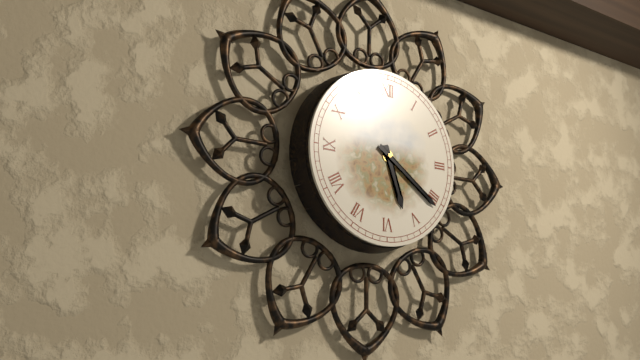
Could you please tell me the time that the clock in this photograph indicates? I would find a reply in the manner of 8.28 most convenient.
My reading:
5.21
